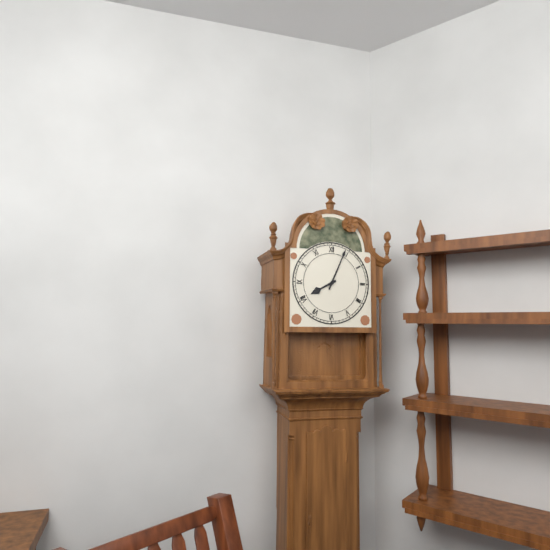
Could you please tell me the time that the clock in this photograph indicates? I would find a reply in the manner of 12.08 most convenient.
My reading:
8.04
